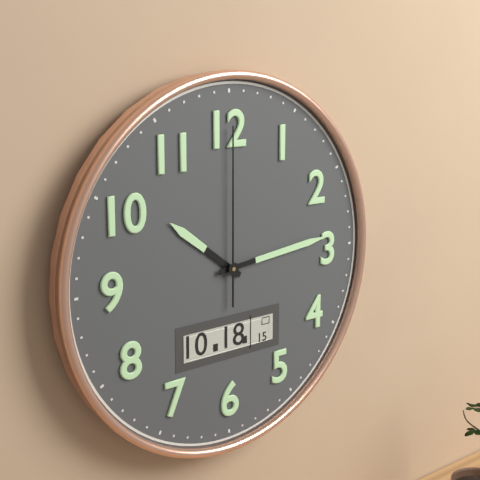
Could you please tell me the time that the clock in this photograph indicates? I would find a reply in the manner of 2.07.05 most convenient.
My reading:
10.14.00
